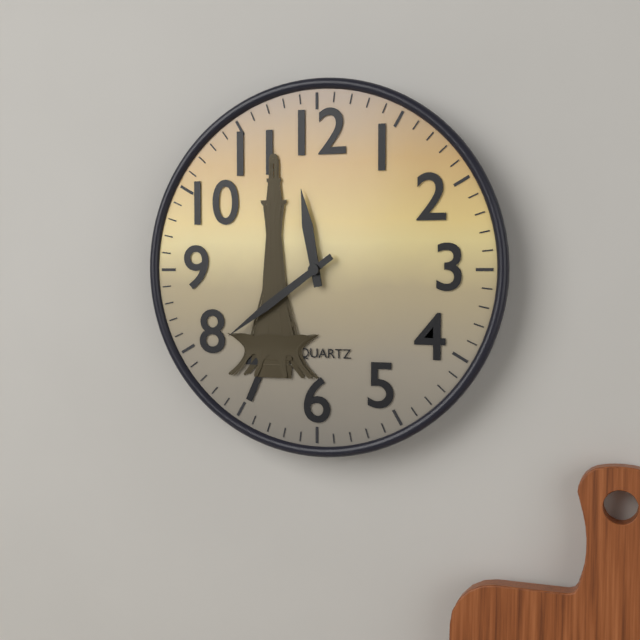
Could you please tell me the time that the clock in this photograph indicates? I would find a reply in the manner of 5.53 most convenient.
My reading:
11.39
